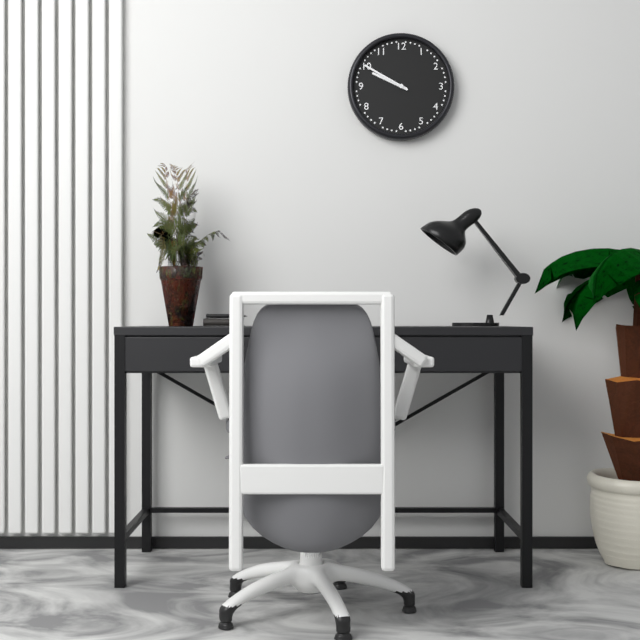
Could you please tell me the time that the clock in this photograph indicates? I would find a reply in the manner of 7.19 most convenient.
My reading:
9.50
